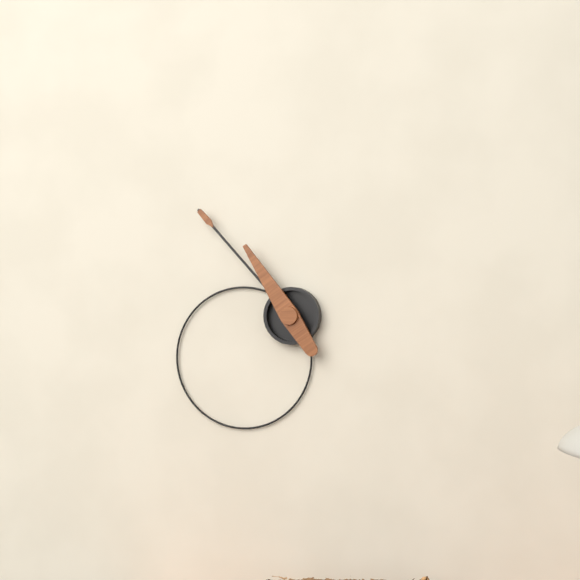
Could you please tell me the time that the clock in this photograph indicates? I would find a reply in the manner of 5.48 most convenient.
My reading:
10.53
